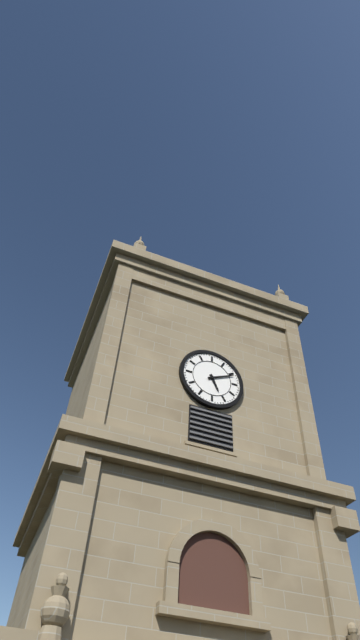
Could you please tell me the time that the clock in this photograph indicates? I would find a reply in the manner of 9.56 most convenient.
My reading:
5.11
